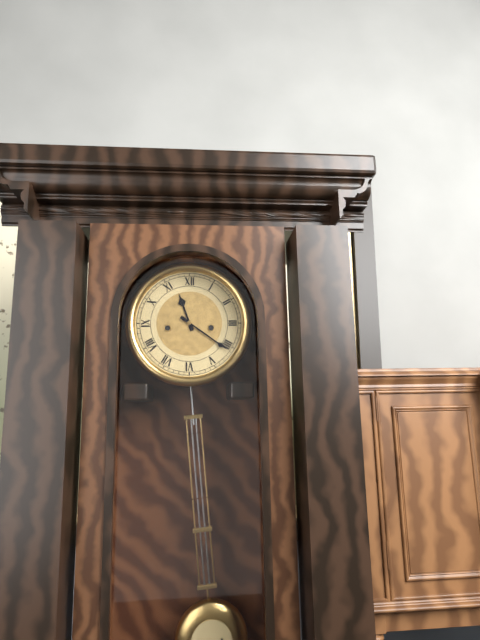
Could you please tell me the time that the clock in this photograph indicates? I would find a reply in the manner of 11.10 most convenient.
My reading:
11.21
